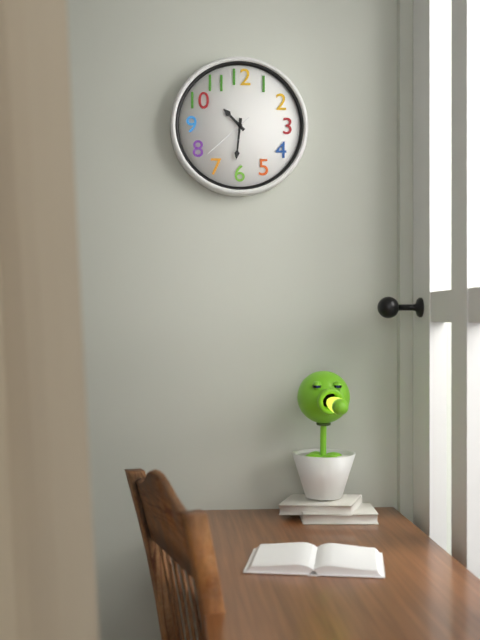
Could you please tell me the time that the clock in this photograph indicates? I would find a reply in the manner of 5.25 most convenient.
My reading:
10.31
